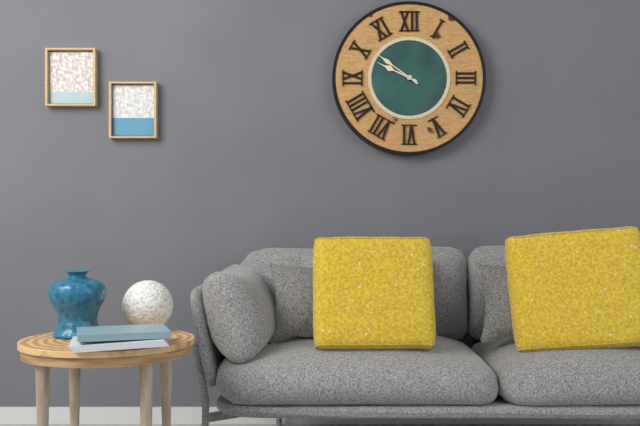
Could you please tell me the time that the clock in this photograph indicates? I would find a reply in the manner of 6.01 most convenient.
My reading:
9.51
